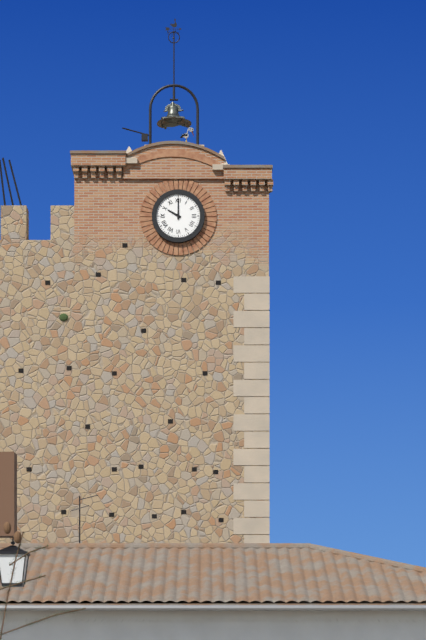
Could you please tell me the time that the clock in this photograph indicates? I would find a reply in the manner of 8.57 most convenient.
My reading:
10.00
